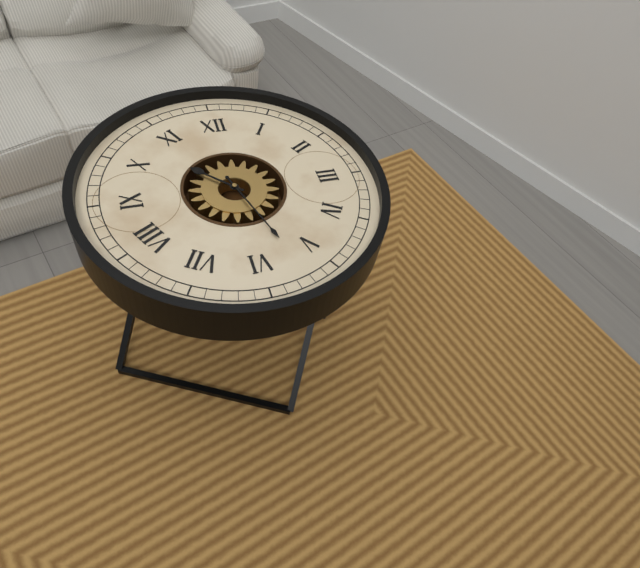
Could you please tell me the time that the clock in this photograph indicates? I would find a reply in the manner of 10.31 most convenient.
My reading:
10.27
